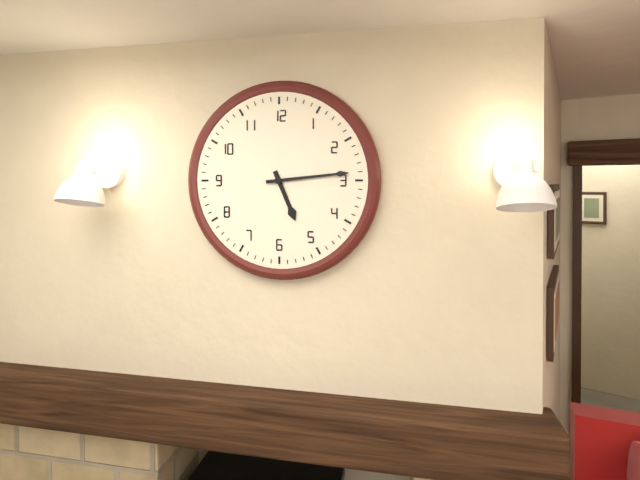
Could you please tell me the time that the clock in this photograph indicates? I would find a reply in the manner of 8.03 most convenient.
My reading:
5.14
